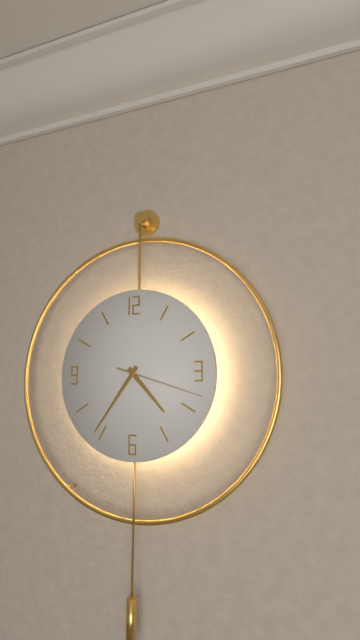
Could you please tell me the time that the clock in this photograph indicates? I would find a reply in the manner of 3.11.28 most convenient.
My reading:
4.36.18
